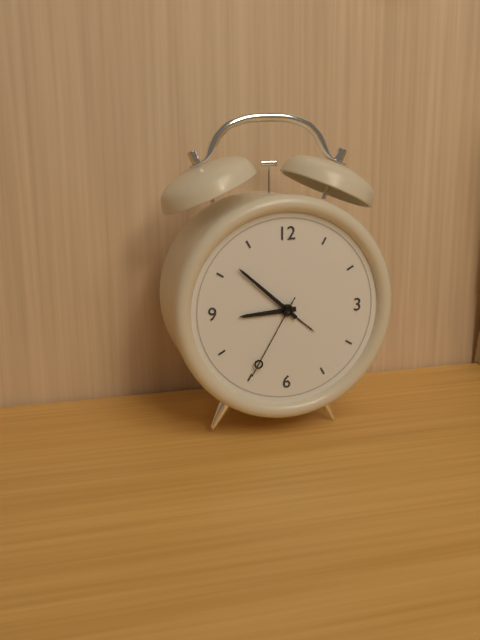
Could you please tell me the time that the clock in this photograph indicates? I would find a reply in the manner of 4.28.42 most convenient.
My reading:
8.52.35
